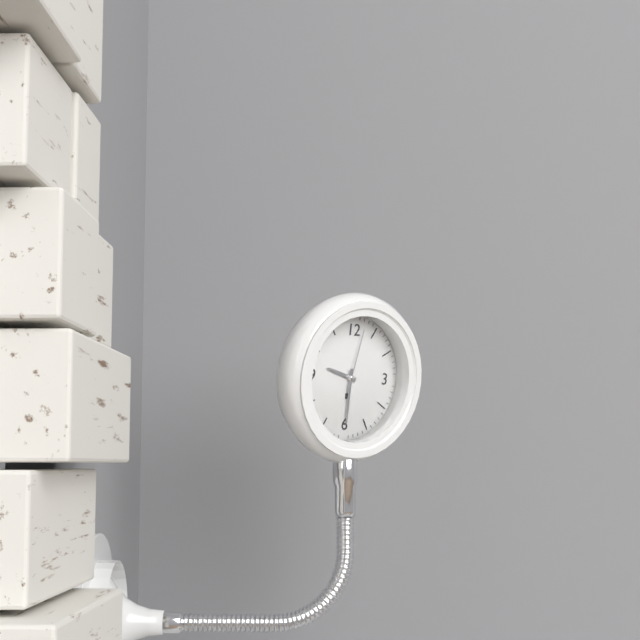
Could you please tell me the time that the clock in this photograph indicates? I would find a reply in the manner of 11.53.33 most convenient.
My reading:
9.30.02
